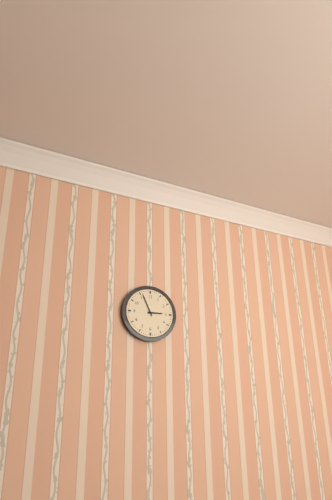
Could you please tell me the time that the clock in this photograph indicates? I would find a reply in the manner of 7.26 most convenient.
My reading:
2.56
